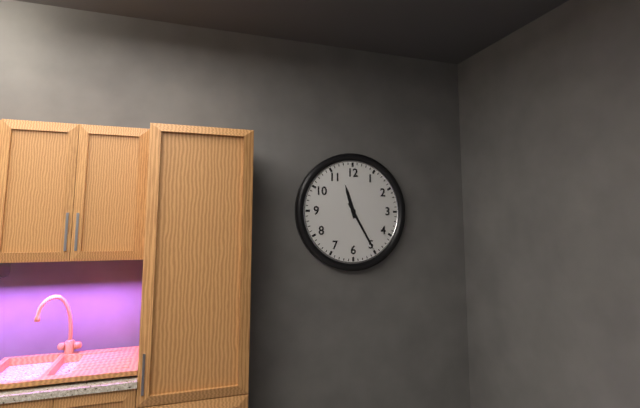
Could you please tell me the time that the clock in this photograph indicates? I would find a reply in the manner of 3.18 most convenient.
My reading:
11.25
